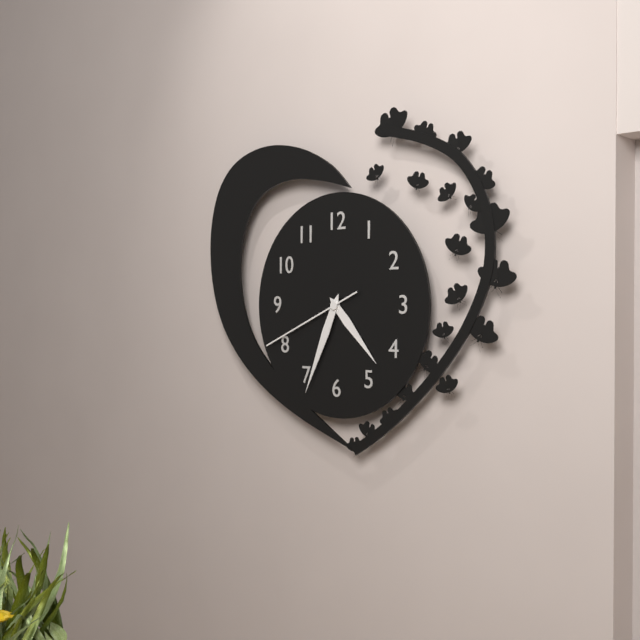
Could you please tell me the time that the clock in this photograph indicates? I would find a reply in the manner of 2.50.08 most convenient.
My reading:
4.34.41
